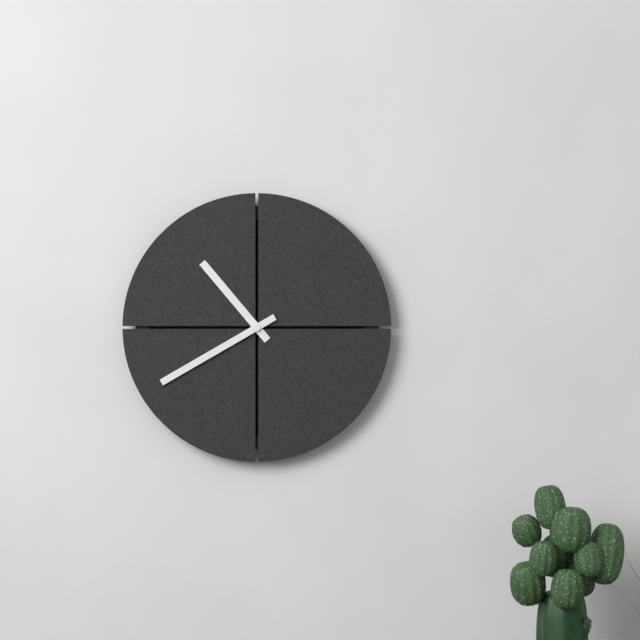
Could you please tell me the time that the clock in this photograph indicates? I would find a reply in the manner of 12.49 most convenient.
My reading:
10.40
